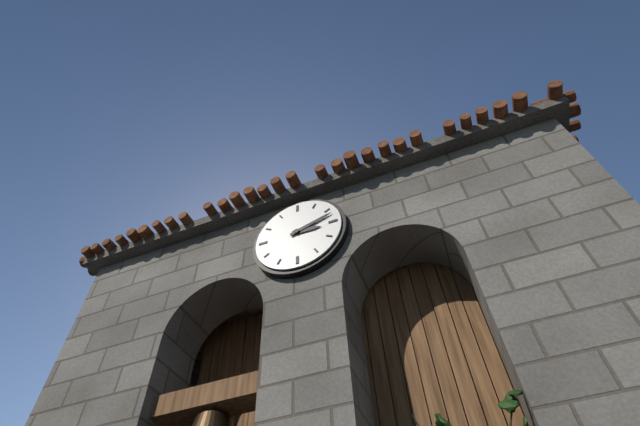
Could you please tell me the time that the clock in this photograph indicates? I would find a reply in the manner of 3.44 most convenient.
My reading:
3.12
